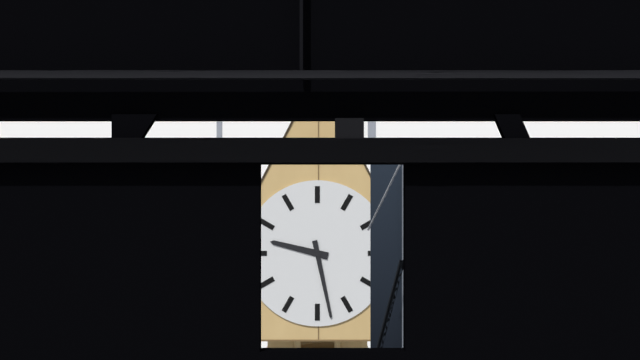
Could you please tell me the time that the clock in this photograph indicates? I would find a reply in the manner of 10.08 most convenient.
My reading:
9.28
